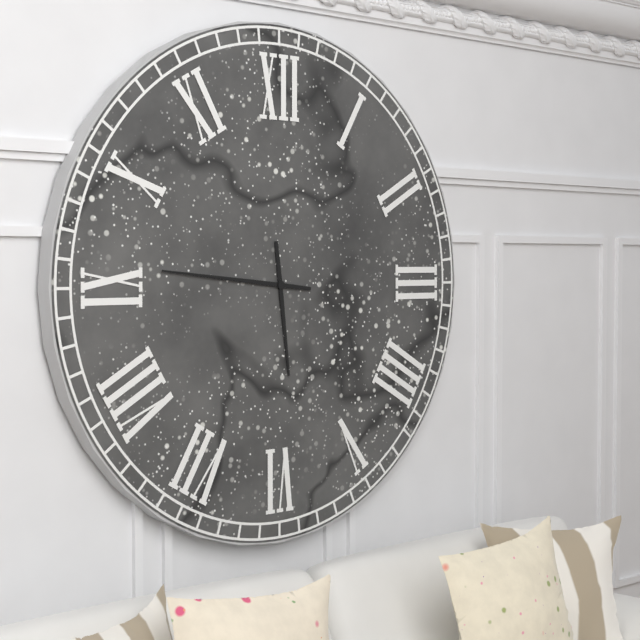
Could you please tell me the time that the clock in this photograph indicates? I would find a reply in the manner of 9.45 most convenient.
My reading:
5.46
